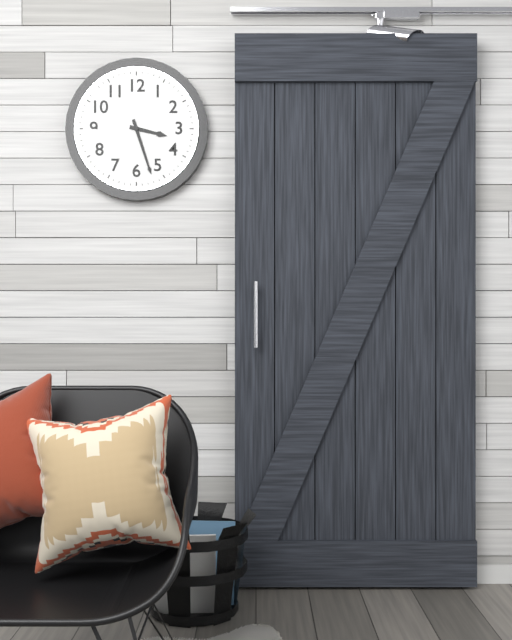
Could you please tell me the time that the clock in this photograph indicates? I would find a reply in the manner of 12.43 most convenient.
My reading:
3.27
